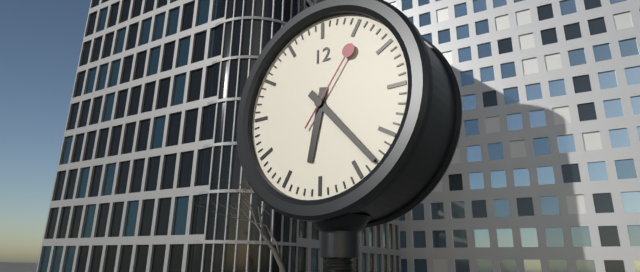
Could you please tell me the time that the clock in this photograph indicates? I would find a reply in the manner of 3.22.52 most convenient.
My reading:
6.23.06
